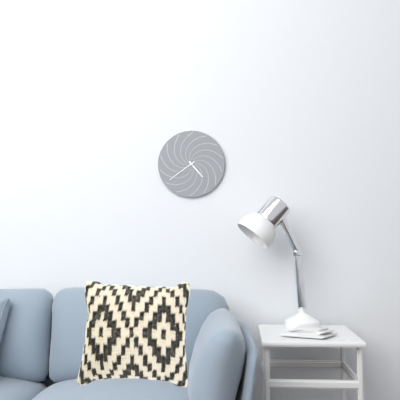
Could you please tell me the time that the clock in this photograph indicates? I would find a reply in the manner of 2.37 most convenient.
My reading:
4.39
